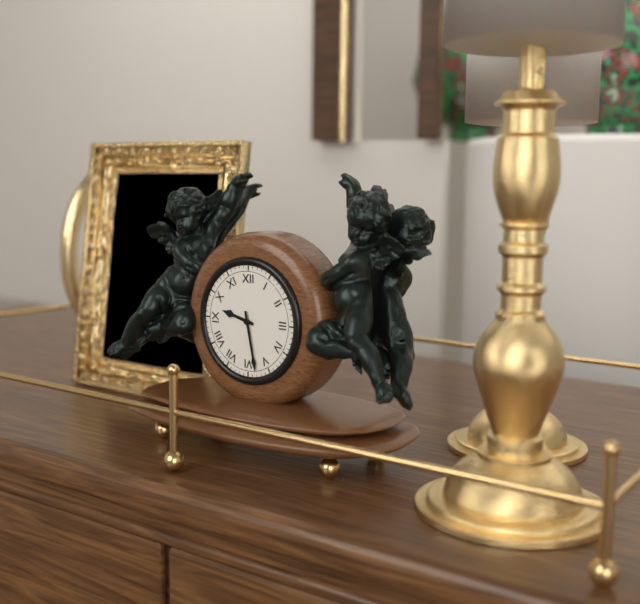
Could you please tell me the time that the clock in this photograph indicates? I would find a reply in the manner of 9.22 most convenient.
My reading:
9.28
